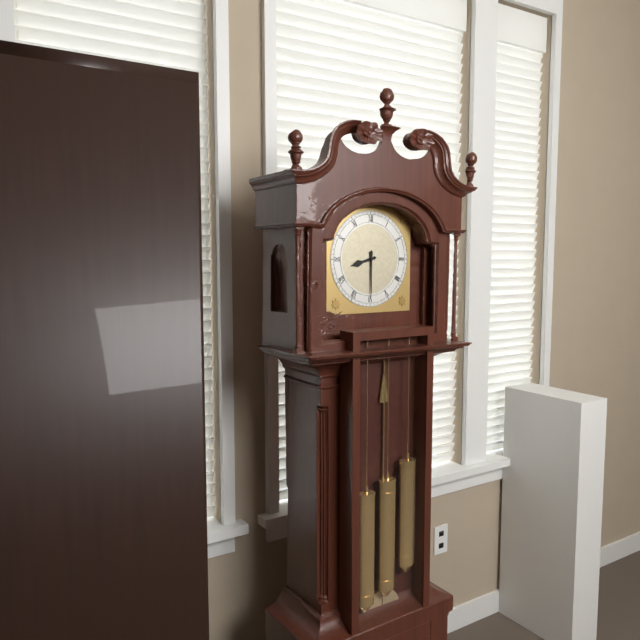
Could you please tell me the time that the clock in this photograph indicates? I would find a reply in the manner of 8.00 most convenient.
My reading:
8.30
